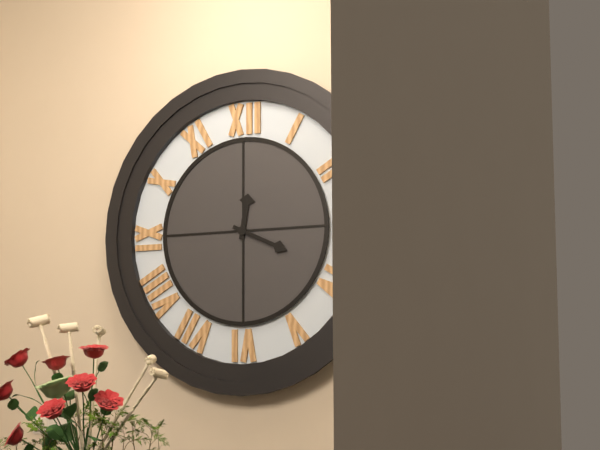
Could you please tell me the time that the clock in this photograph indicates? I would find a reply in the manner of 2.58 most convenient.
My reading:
12.19
